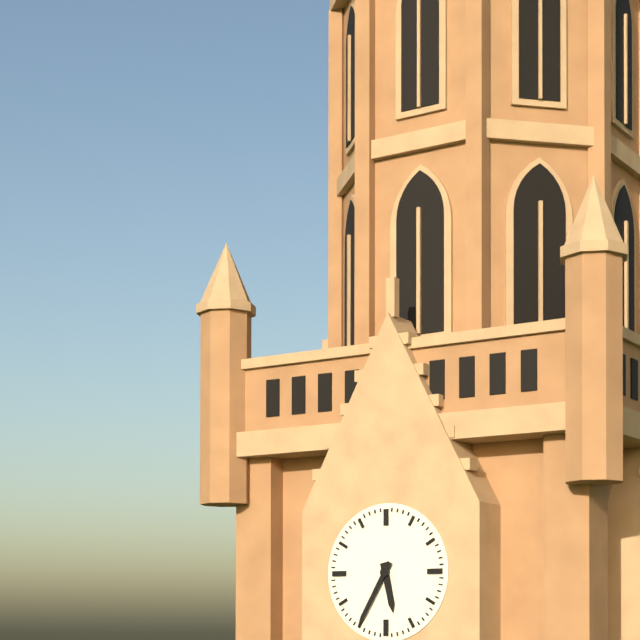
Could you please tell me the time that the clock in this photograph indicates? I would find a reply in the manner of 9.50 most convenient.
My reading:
5.35
